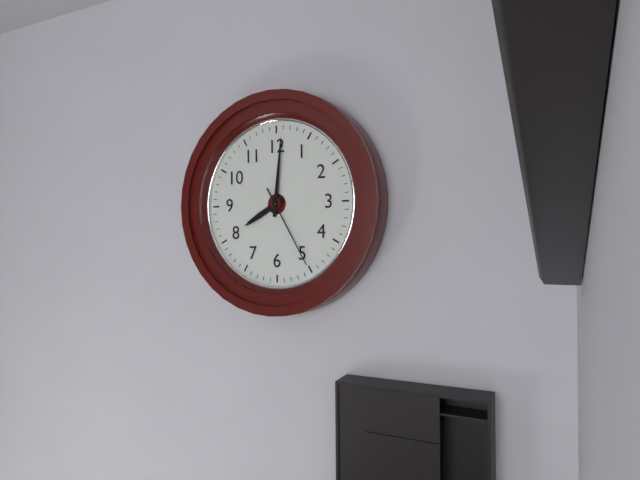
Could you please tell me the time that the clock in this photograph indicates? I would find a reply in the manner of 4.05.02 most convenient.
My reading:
8.01.25
